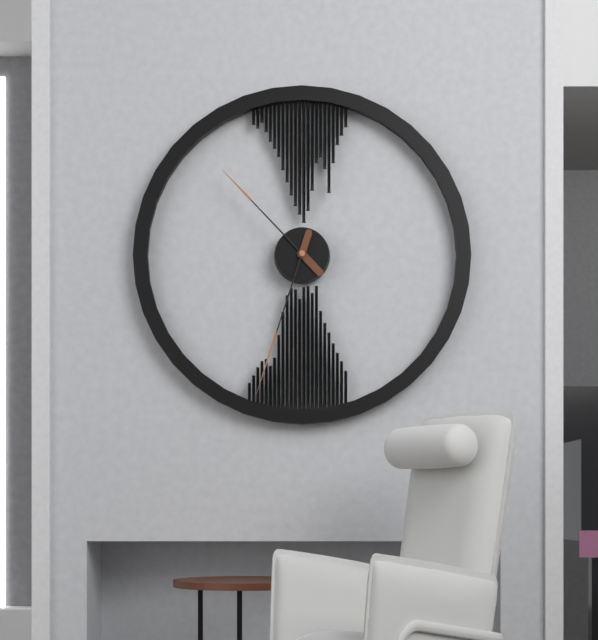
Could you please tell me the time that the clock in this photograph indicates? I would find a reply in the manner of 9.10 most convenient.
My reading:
10.33
